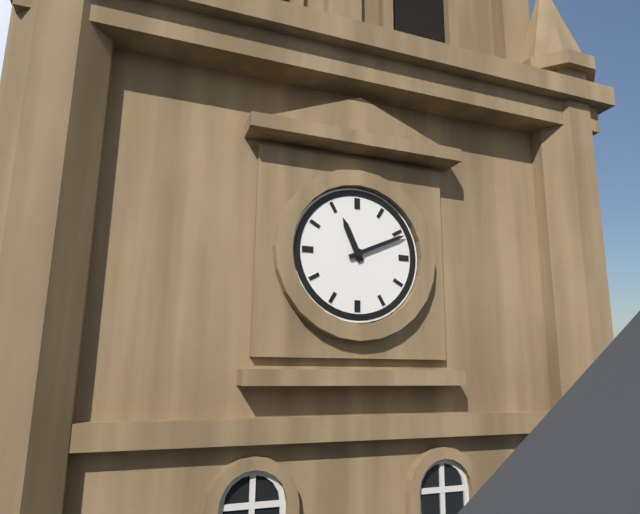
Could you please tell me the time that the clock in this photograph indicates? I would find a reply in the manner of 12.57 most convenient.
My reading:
11.11
